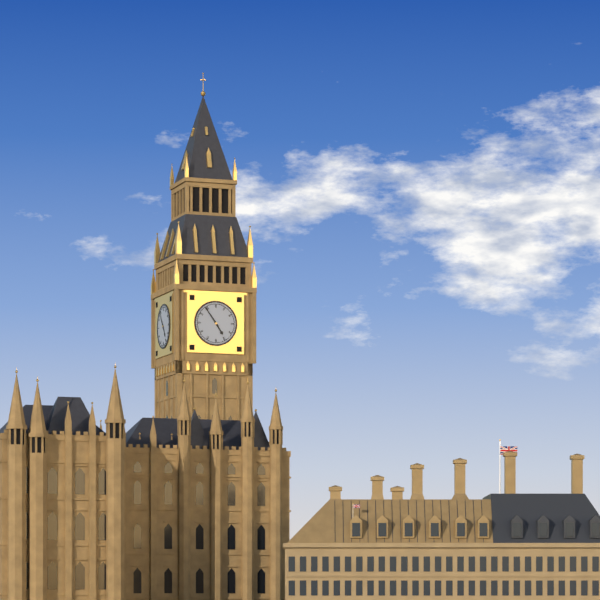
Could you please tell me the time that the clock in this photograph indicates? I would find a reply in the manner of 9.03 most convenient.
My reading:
4.54
